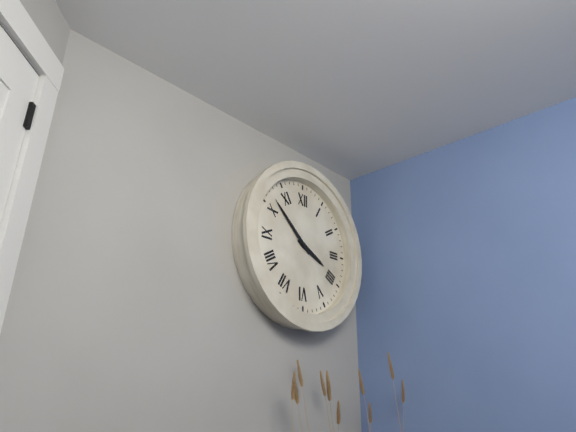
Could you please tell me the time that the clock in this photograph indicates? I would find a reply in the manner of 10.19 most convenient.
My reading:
3.52
